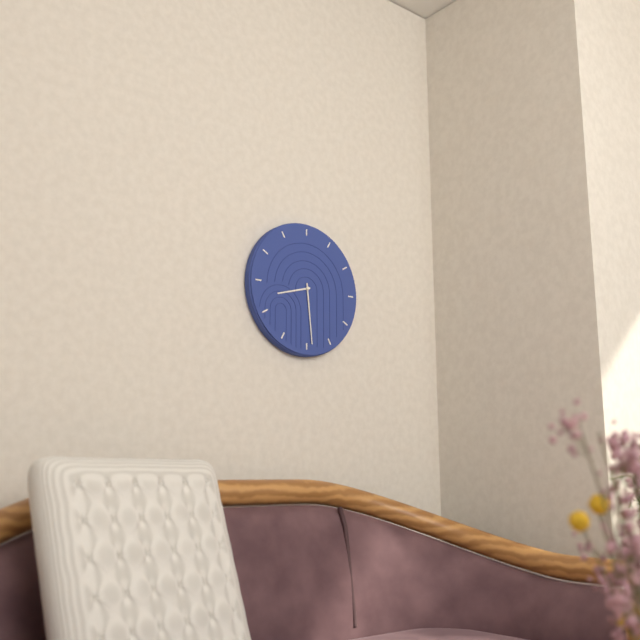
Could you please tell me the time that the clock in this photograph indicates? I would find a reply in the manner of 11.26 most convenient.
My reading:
8.29
